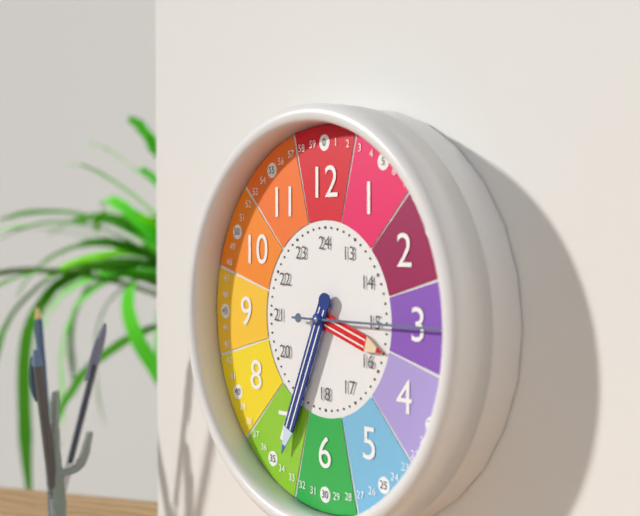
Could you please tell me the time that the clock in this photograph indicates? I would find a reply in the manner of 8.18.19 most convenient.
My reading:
3.34.15
